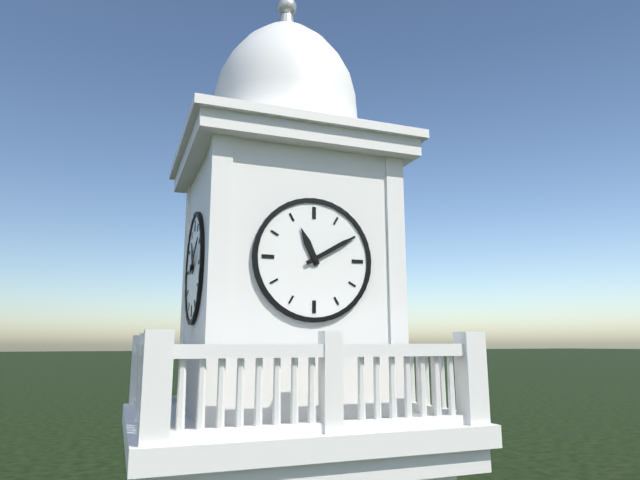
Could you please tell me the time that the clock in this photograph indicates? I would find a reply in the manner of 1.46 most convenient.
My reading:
11.10
